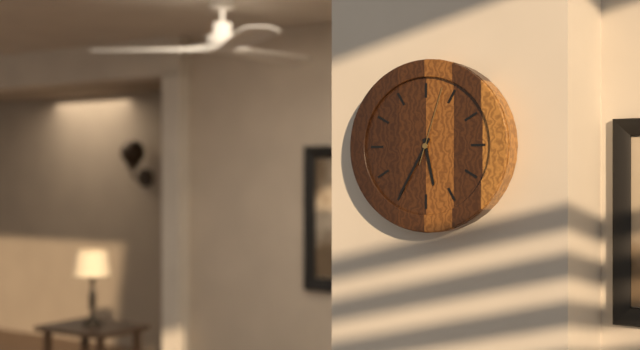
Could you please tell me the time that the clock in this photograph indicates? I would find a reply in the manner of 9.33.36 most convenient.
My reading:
5.35.03
